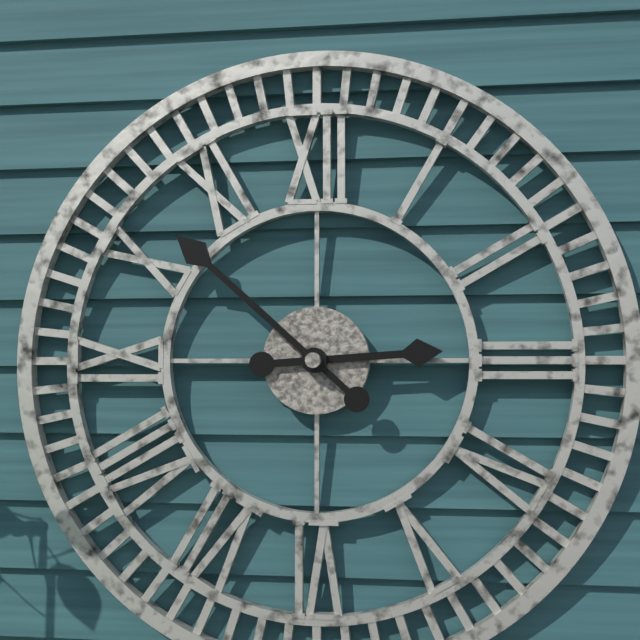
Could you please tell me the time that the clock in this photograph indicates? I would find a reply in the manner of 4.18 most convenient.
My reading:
2.52
